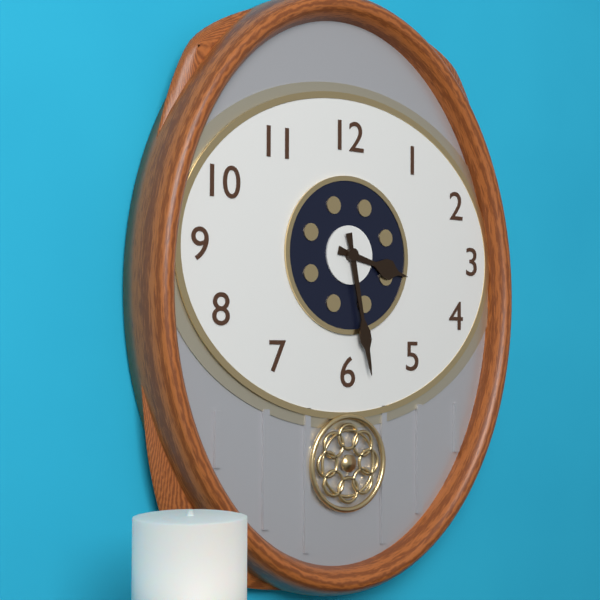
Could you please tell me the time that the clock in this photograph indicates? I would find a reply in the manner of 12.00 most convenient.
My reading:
3.28
